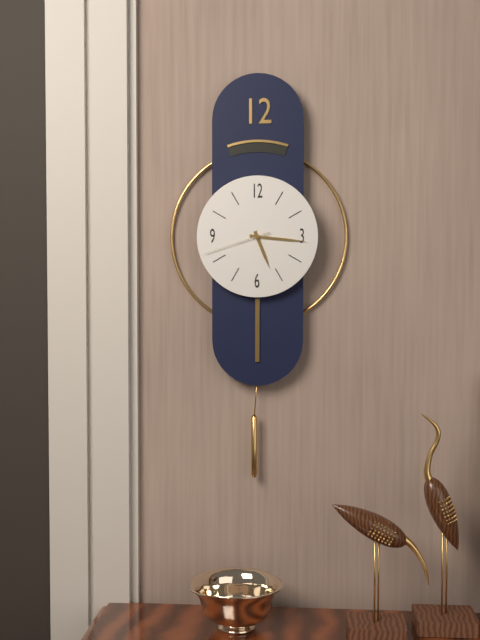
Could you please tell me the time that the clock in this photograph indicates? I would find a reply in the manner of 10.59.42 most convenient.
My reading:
5.16.42
